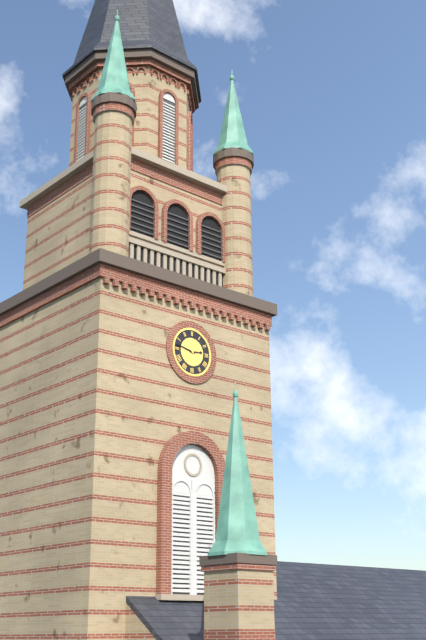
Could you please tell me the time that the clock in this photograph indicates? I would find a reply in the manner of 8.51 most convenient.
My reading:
2.47
